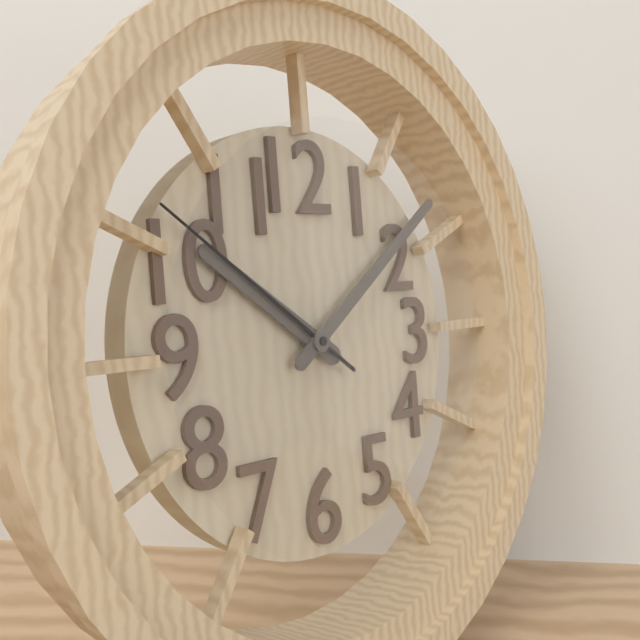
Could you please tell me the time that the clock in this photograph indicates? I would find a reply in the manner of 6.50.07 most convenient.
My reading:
10.09.51
